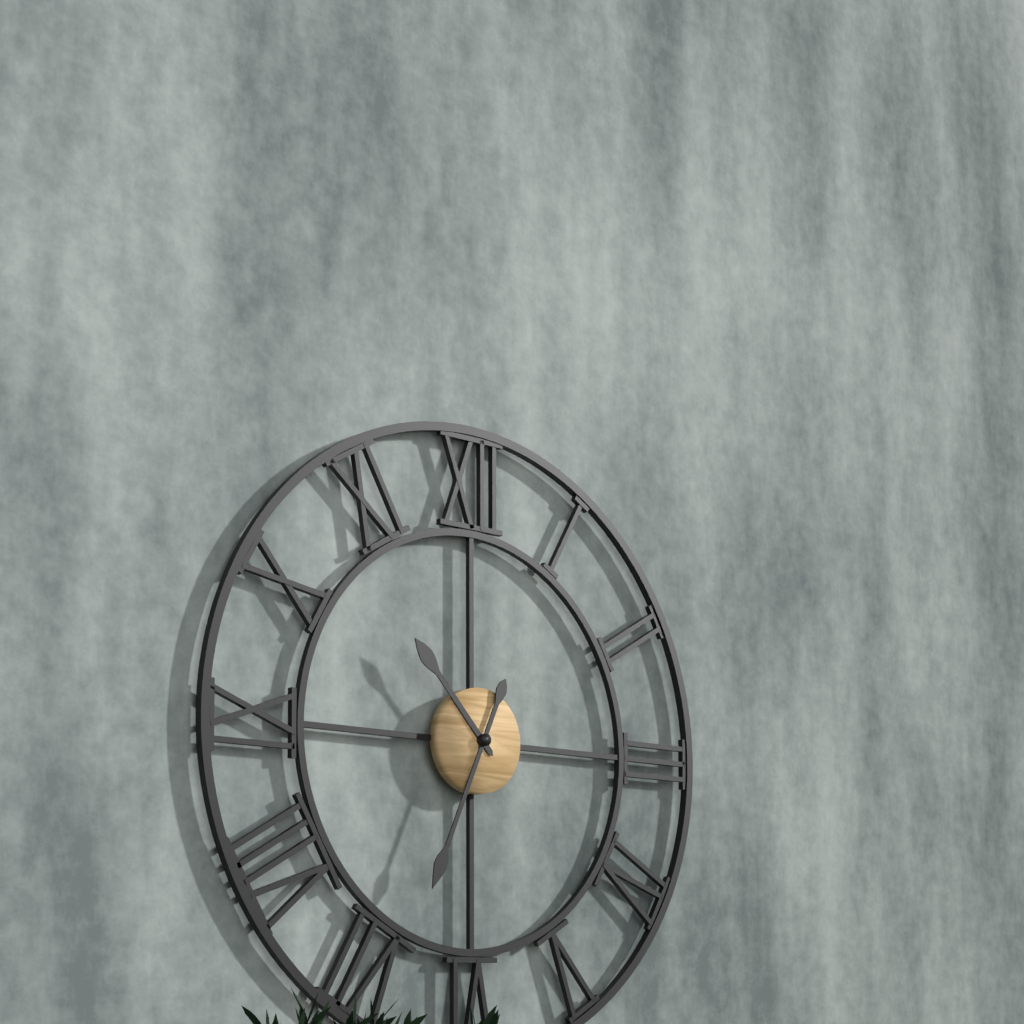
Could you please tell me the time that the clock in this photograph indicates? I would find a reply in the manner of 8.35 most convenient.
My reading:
10.34
